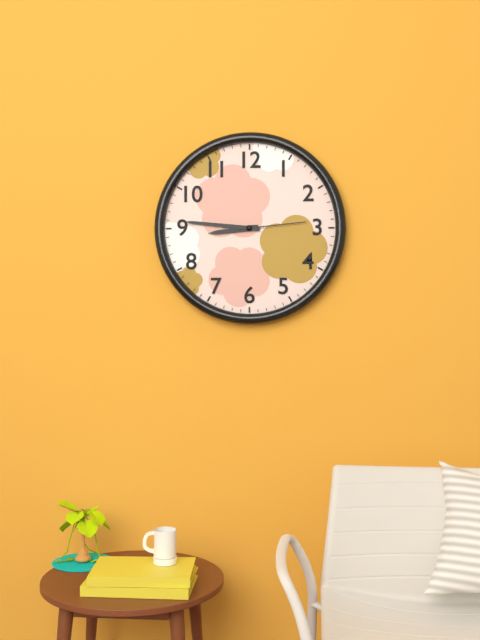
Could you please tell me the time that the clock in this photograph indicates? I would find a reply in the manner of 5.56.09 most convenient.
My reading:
8.46.14
